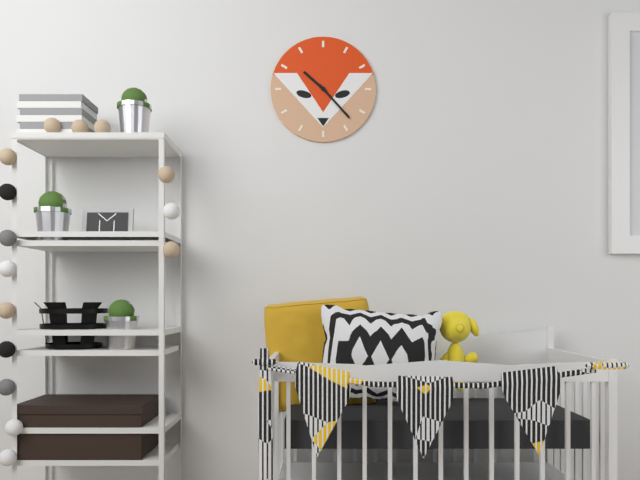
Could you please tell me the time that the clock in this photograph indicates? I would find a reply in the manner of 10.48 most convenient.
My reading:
10.23
